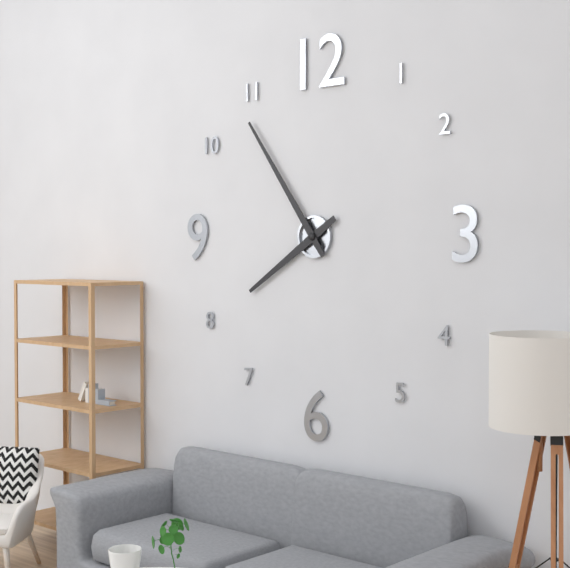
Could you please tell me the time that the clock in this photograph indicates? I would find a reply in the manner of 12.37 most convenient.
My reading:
7.54
